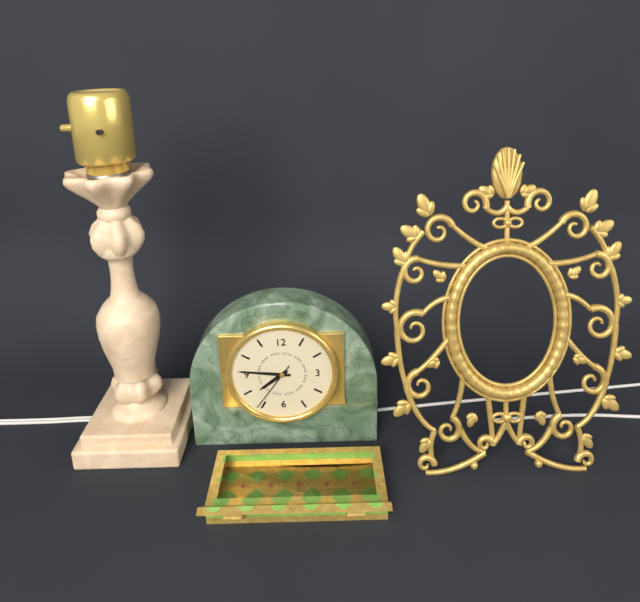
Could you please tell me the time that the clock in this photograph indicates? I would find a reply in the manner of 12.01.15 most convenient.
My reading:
7.46.36
